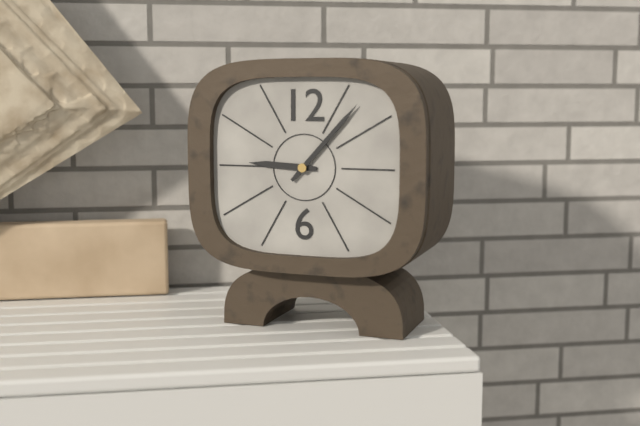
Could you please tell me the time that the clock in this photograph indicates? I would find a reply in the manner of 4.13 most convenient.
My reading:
9.07
